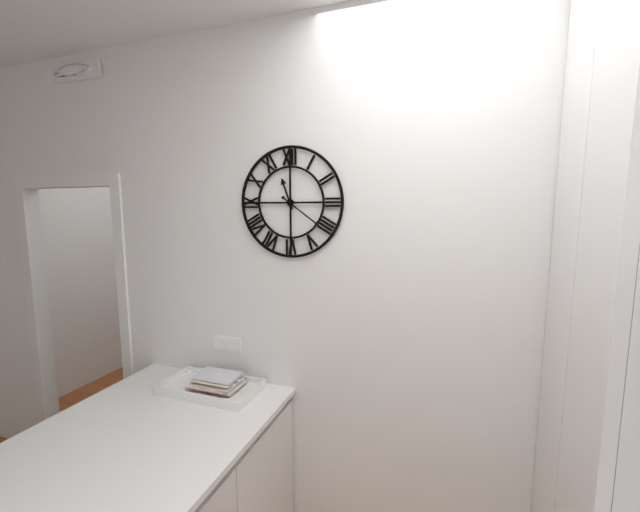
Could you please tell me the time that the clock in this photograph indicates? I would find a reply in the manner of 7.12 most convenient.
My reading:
11.21
